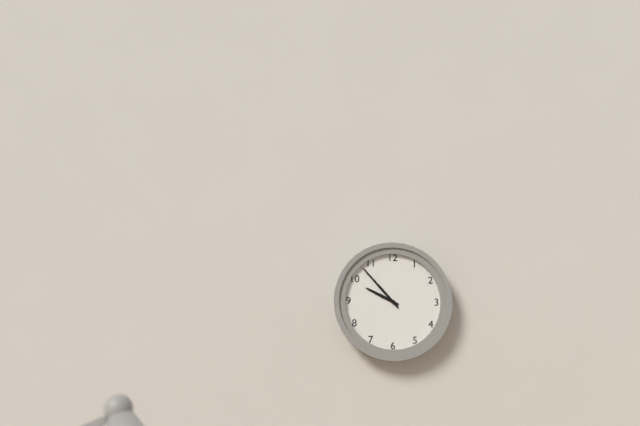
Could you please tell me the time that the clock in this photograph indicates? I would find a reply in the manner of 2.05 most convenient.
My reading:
9.53
